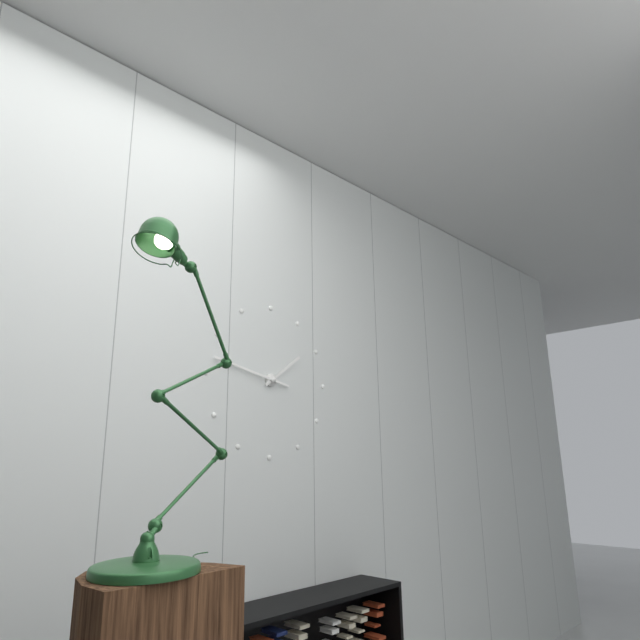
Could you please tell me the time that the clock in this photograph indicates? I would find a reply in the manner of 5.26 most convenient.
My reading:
1.47
